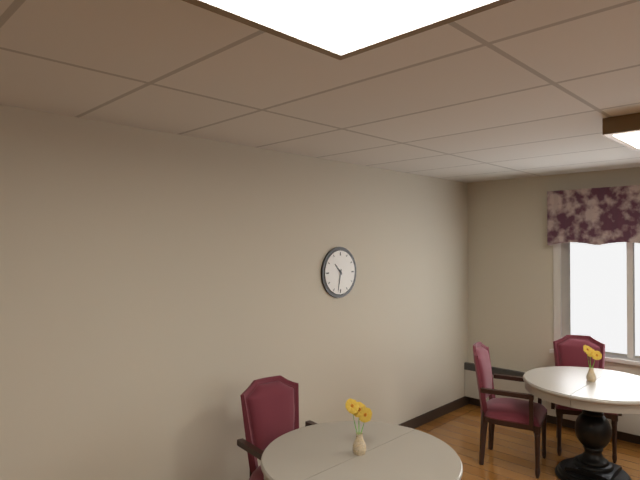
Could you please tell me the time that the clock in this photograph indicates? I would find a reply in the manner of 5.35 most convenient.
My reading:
10.32
